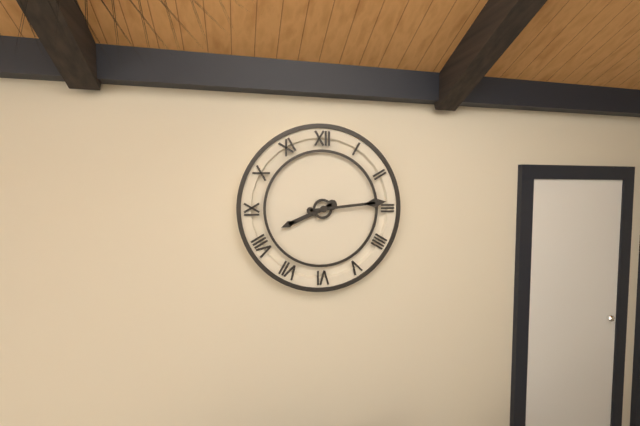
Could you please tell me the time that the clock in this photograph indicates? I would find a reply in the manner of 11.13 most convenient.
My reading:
8.14
